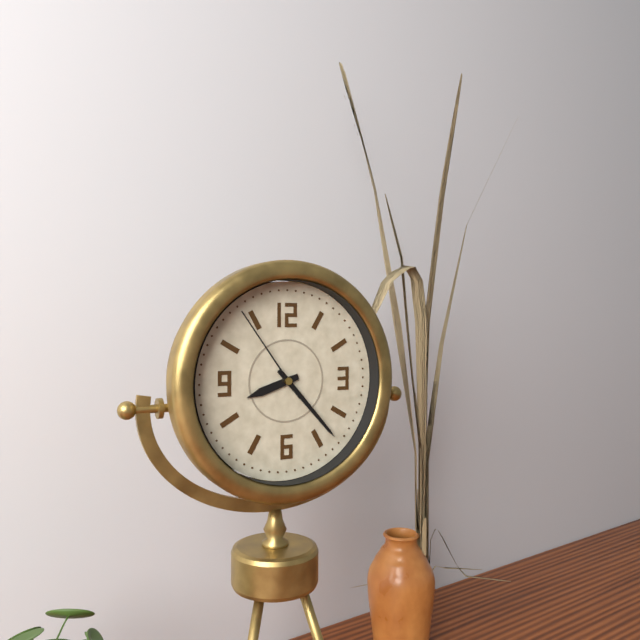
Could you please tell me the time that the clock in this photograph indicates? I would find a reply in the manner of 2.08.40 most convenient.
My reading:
8.23.54
